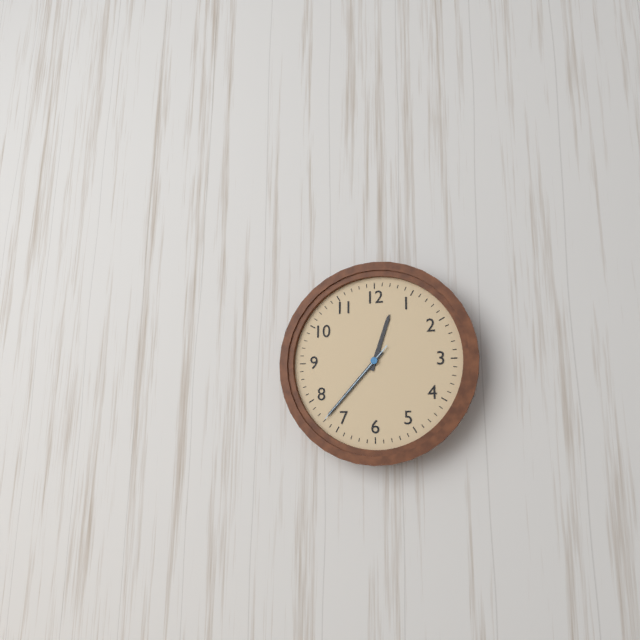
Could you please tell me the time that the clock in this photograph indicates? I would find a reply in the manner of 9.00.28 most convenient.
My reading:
12.37.37
